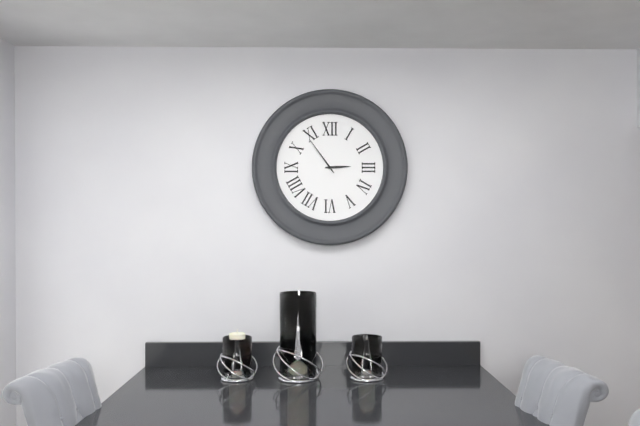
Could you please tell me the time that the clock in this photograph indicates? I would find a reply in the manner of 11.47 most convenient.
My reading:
2.54
